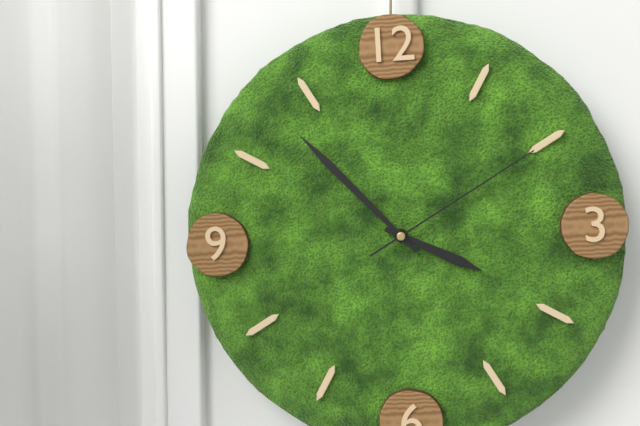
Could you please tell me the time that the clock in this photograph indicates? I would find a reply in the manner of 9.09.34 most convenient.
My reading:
3.53.10
